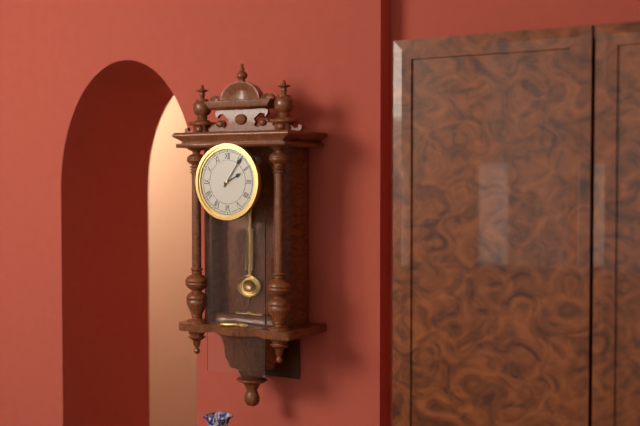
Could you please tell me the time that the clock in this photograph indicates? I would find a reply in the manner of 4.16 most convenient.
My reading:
2.06
